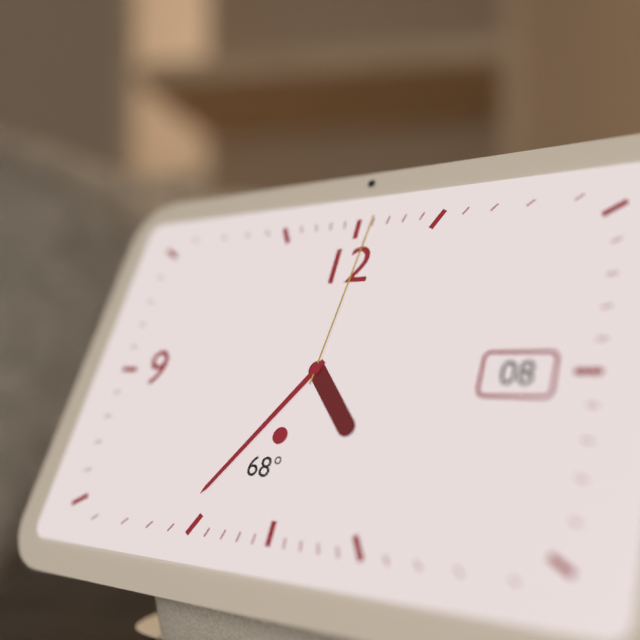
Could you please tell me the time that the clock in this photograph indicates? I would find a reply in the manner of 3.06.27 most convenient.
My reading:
4.36.01
